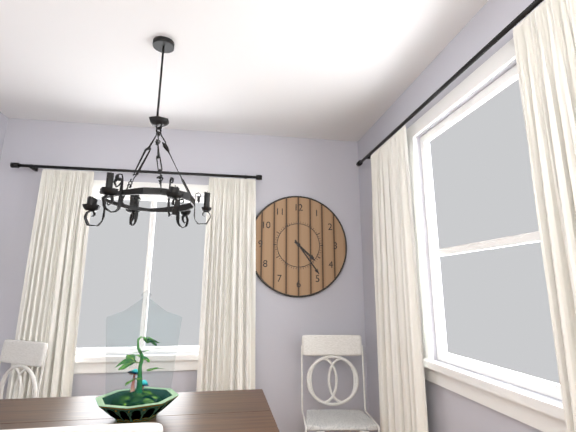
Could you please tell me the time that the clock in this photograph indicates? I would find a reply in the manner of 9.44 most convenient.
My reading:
4.24
